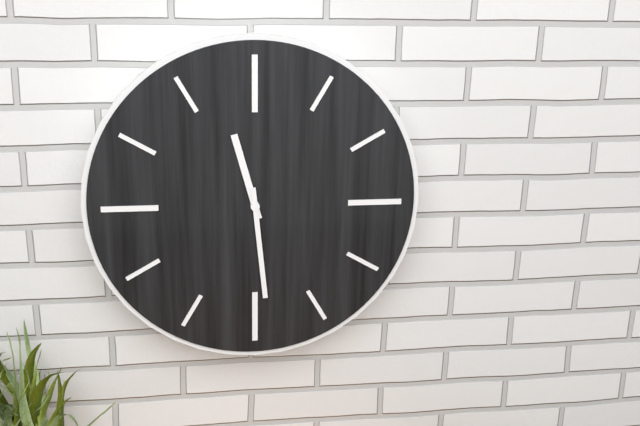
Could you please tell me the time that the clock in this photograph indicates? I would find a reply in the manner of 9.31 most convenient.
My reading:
11.29
